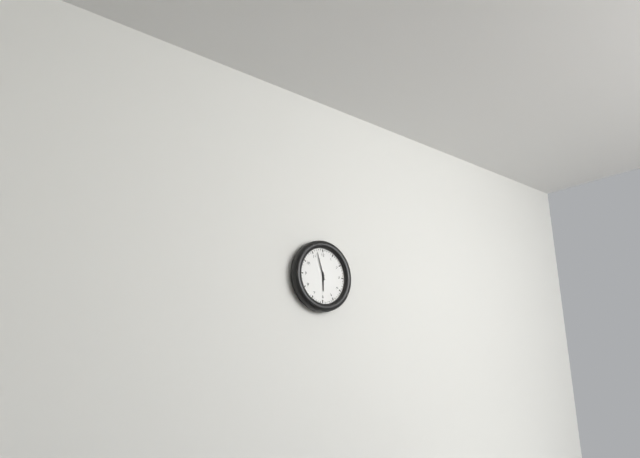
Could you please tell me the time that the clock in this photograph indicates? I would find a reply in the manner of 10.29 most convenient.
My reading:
5.57
